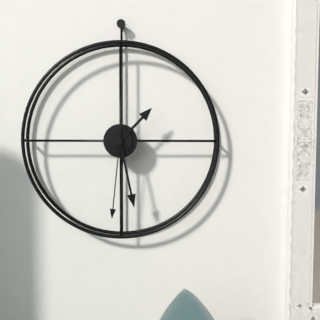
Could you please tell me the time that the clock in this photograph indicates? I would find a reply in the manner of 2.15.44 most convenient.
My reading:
1.28.31
